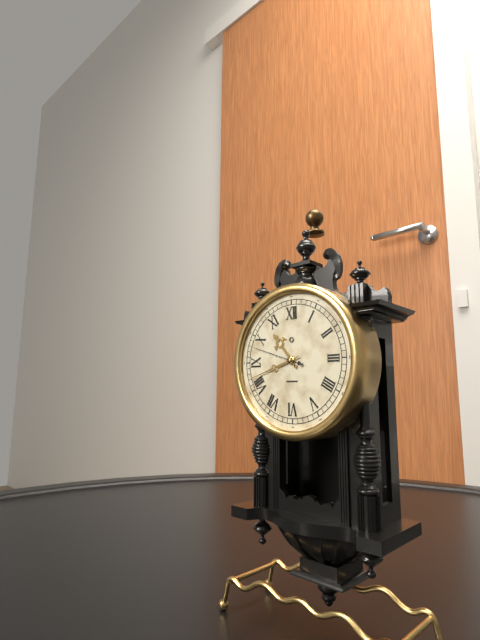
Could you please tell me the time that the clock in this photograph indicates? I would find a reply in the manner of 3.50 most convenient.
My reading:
10.42
